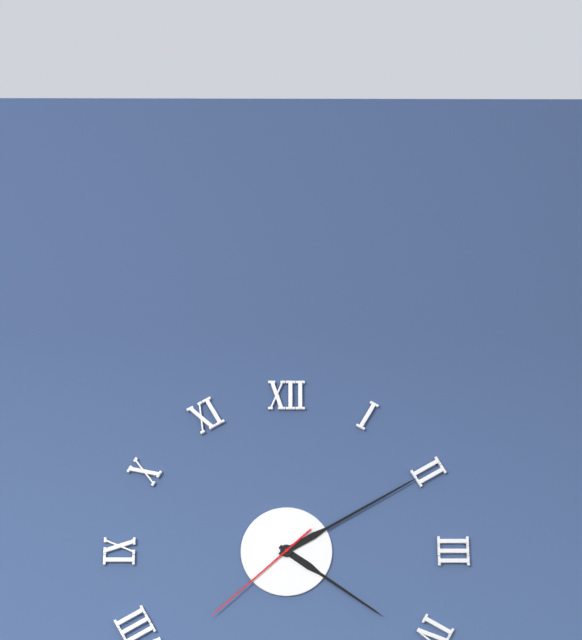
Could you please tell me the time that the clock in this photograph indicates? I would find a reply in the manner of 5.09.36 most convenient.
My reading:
4.10.38
